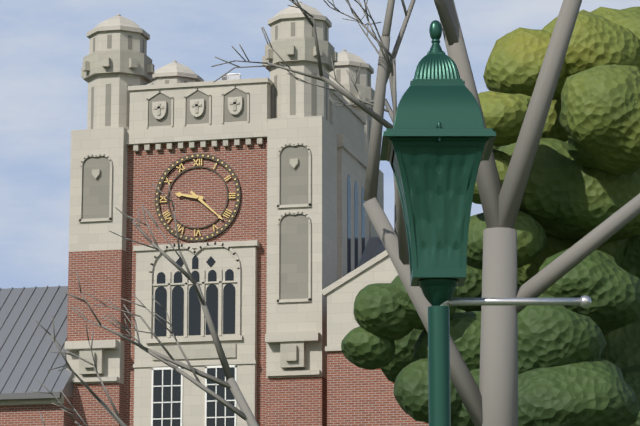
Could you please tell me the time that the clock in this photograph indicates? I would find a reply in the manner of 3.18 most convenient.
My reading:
9.22
